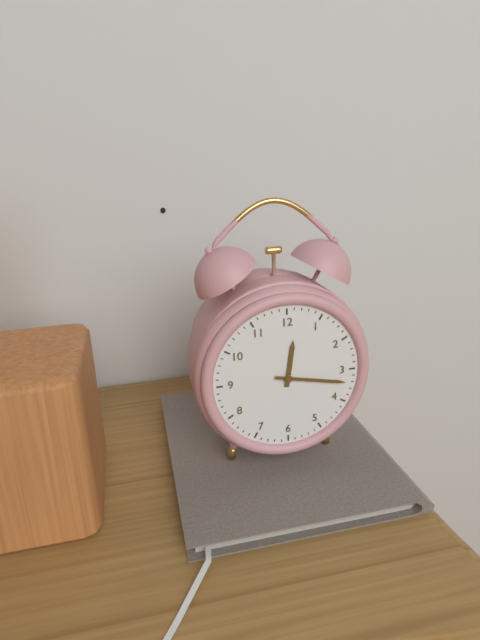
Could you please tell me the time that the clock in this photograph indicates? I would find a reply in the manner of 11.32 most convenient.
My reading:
12.17
